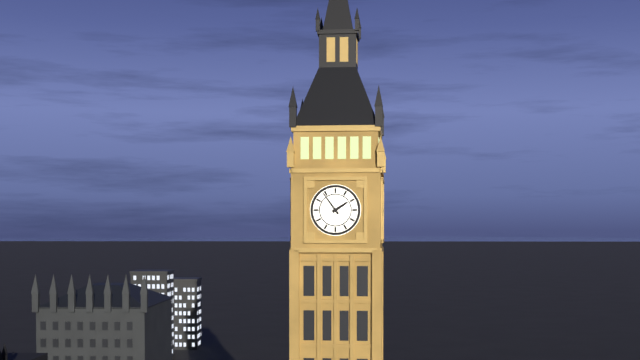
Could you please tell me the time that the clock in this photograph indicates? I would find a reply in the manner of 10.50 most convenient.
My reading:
1.54
